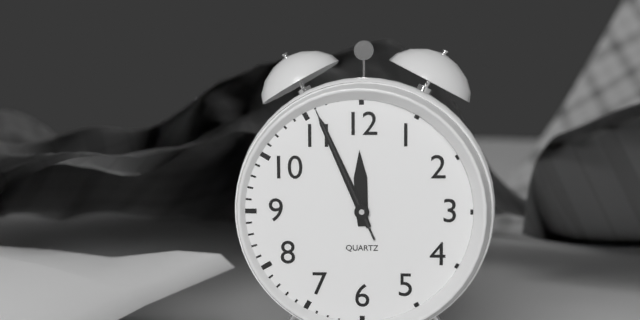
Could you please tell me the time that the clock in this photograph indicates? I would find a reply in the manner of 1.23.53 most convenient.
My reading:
11.56.56
